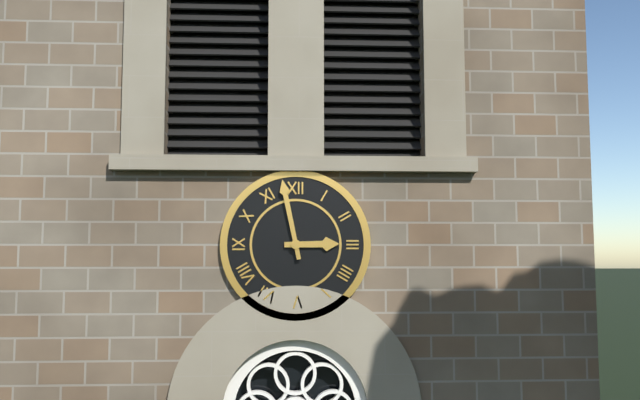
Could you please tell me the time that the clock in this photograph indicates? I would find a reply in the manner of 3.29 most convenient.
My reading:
2.58
